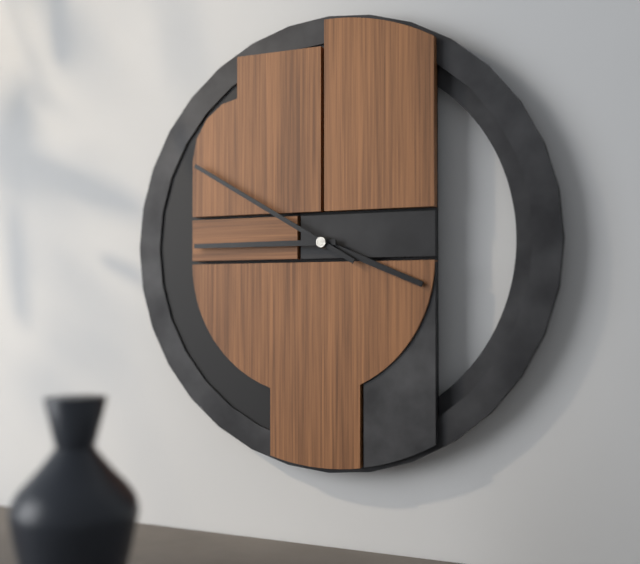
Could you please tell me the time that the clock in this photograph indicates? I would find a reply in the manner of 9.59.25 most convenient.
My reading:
3.45.50
